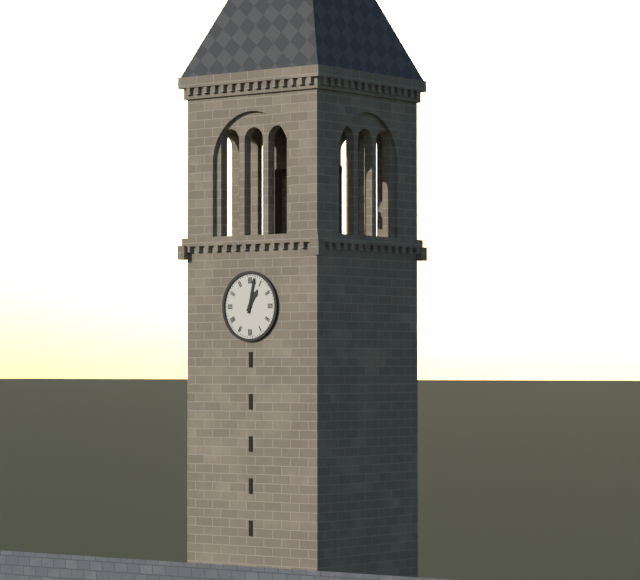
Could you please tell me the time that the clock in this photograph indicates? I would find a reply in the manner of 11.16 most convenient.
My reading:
1.02
